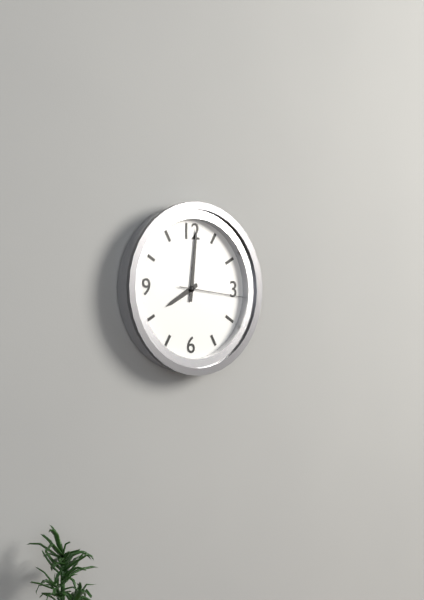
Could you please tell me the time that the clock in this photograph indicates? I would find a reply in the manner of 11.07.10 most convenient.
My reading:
8.01.16
